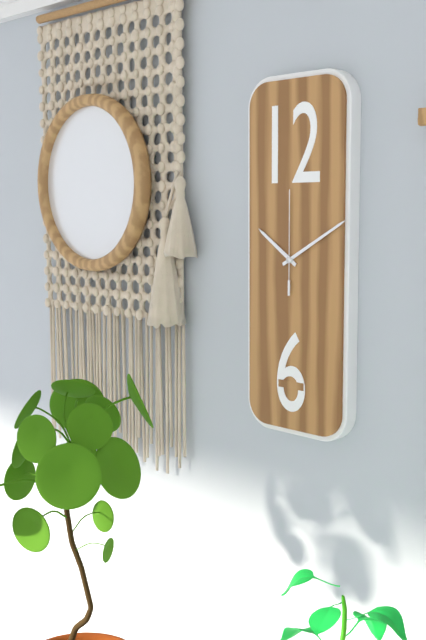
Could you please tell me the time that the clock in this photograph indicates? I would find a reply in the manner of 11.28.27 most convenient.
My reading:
10.10.00
